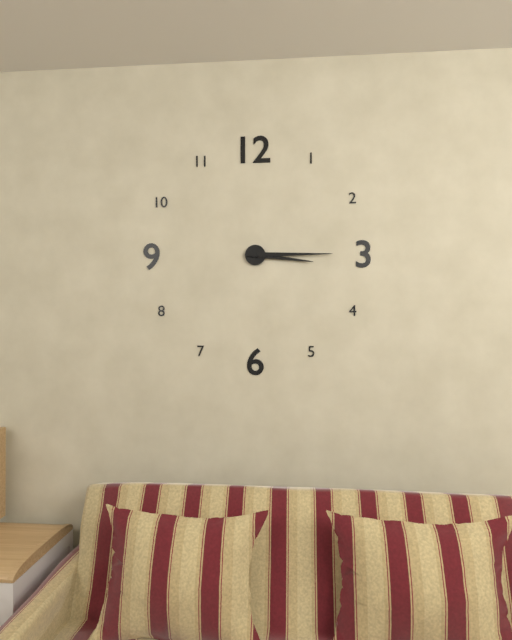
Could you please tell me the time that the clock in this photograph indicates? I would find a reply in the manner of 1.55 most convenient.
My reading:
3.15
